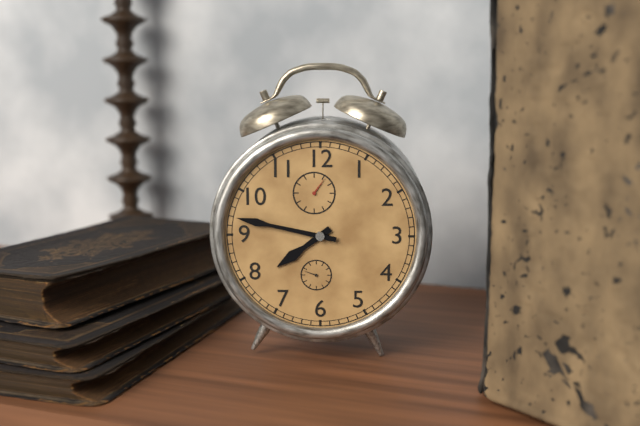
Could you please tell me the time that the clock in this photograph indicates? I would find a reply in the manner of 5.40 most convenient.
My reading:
7.47
